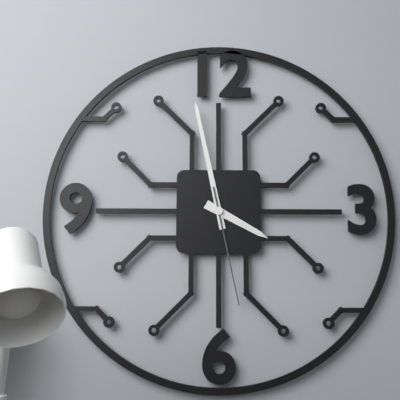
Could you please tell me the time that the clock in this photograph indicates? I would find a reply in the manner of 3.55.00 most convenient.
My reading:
3.58.28
